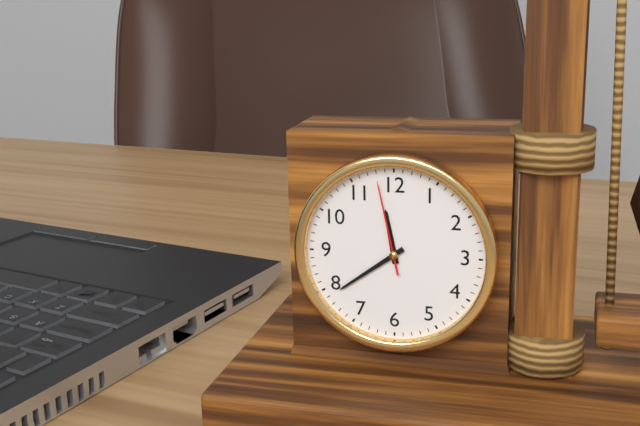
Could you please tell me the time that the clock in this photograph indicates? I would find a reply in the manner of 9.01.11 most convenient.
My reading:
11.39.58
